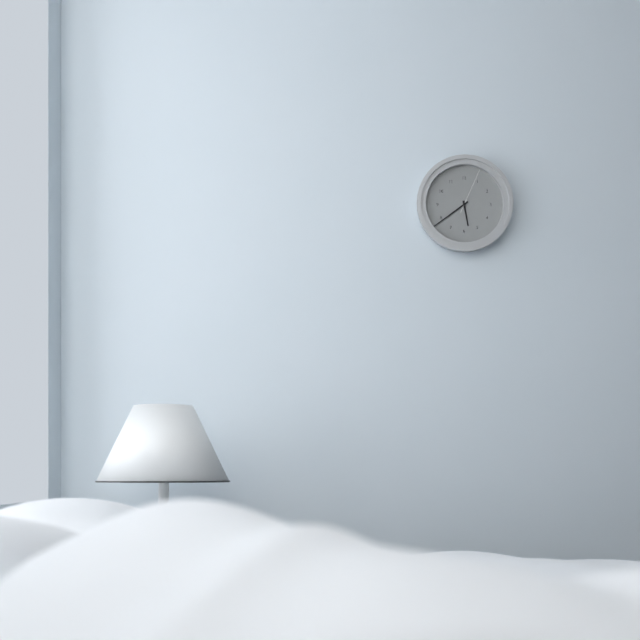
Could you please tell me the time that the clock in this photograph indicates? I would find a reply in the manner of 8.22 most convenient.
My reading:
5.39
